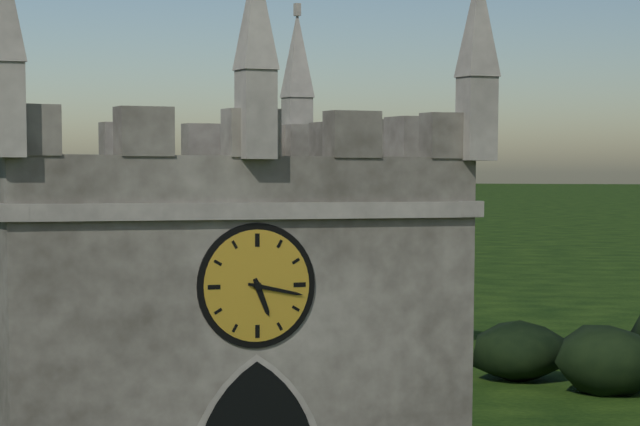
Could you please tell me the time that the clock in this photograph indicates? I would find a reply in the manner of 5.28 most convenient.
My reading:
5.17
